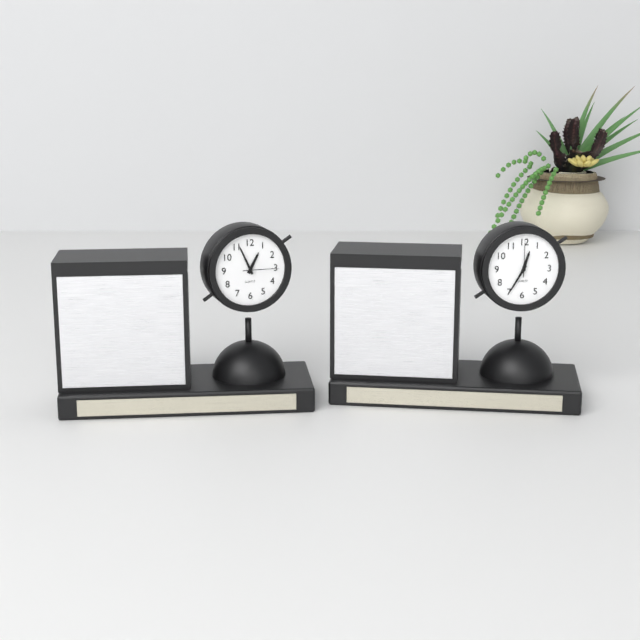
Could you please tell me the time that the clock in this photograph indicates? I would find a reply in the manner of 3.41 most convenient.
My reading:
12.56
